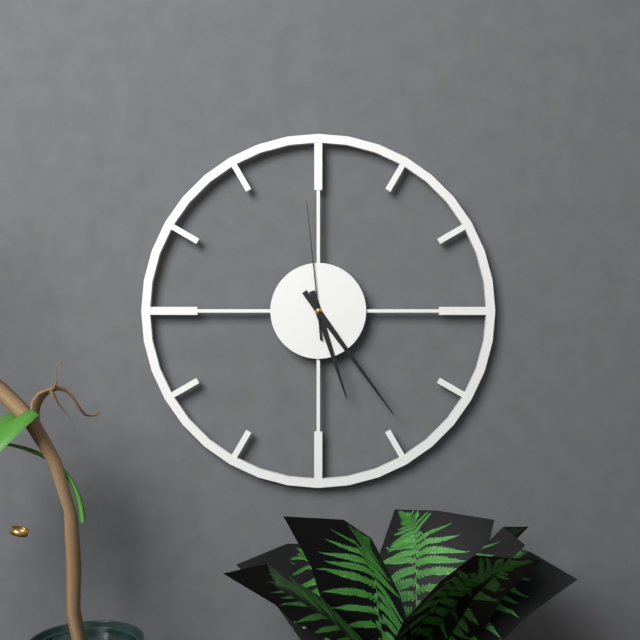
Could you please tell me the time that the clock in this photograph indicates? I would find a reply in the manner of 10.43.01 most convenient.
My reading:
5.24.59
